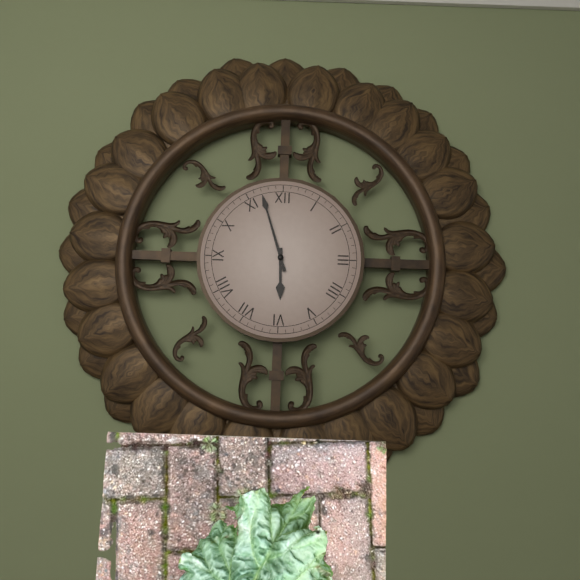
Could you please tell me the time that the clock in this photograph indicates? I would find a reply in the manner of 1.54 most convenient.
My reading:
5.57
